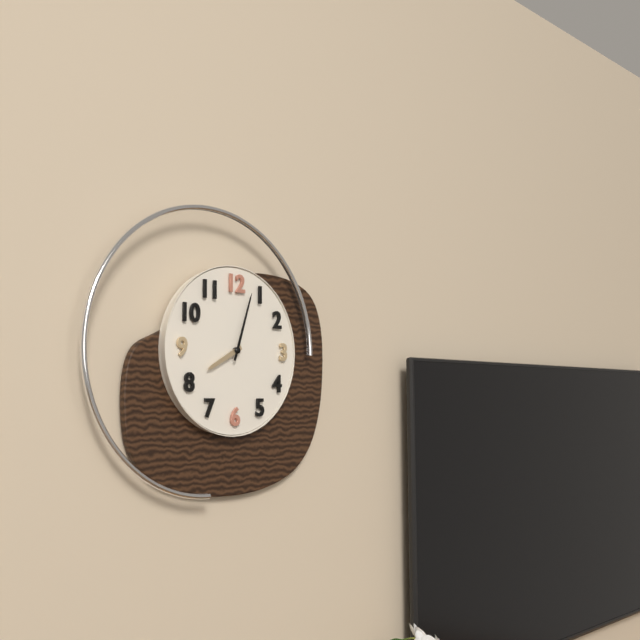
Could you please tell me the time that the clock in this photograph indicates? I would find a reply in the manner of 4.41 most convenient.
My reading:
8.03
